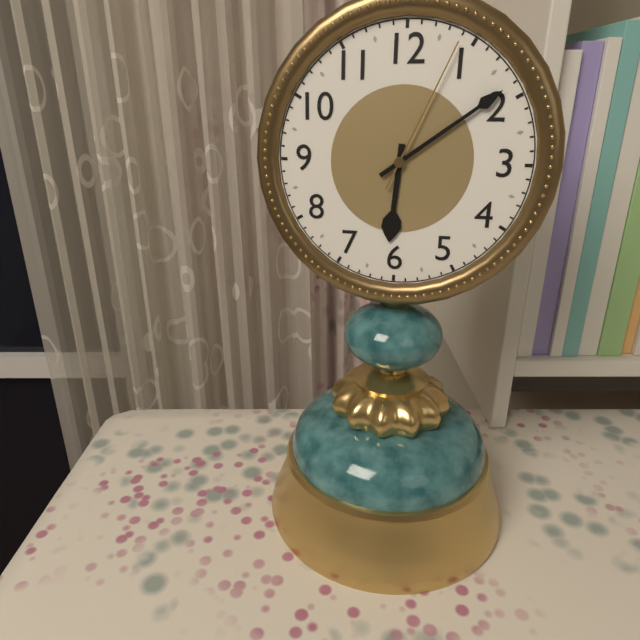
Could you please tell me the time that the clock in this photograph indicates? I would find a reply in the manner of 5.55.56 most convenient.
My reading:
6.09.04
